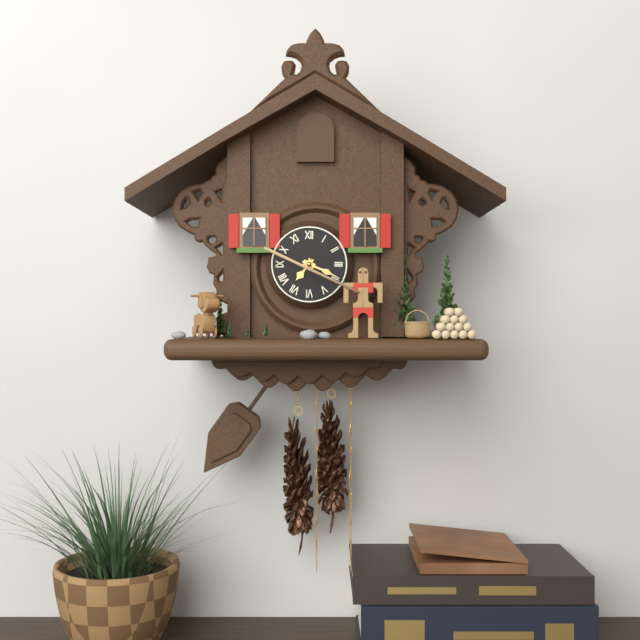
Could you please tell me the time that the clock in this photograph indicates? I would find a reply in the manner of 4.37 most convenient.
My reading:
7.19
